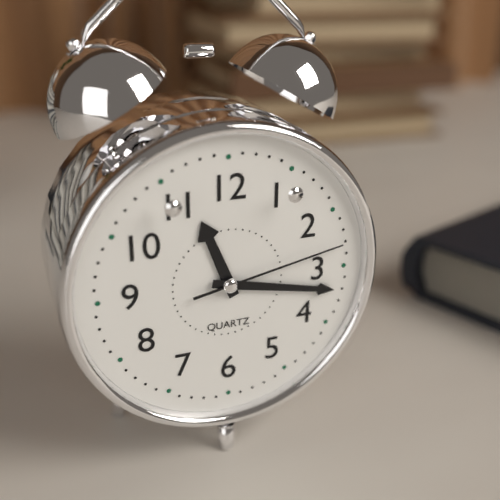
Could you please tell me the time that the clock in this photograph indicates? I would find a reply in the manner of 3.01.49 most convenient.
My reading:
11.17.13
